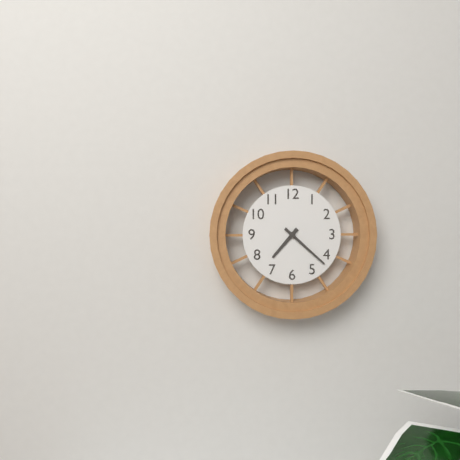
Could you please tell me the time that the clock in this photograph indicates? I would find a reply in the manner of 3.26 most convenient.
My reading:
7.22
